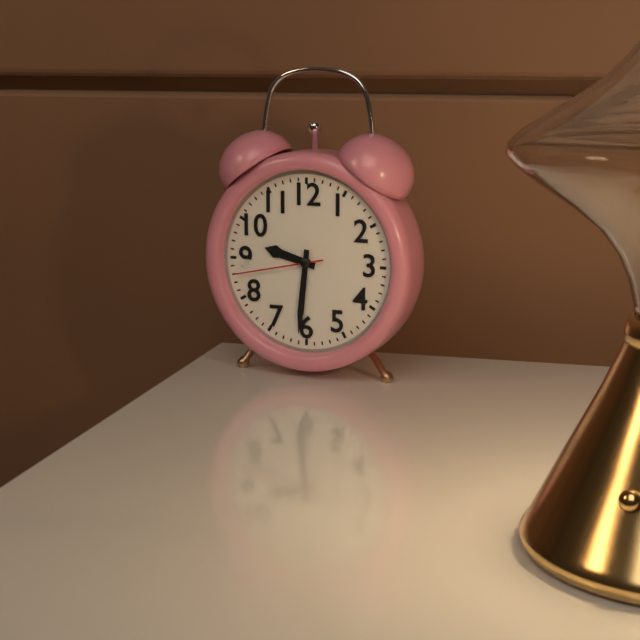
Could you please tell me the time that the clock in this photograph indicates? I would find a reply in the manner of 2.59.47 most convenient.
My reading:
9.31.43
